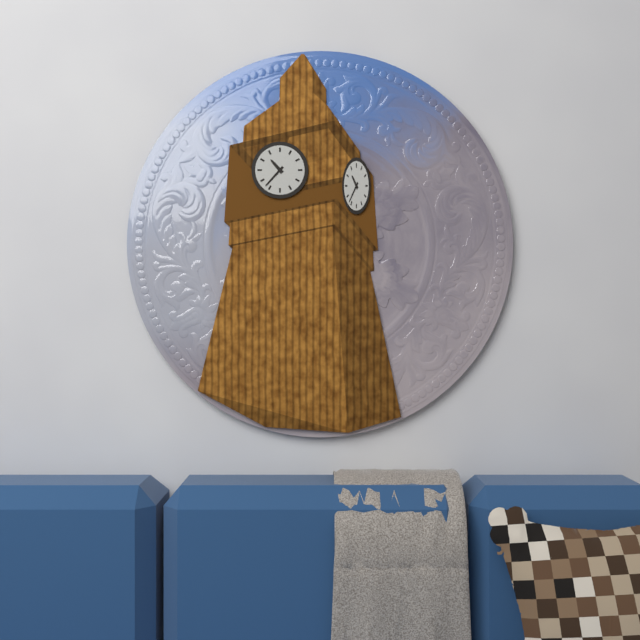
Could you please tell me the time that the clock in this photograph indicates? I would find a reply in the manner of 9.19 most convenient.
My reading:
10.37
